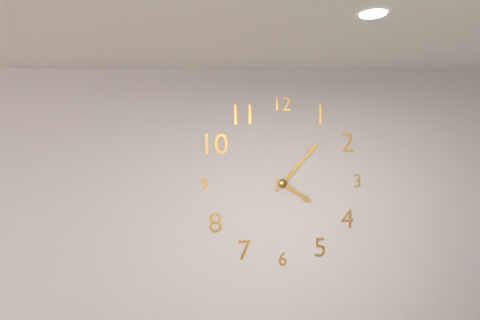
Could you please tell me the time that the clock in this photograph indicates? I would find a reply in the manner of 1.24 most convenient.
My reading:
4.07
